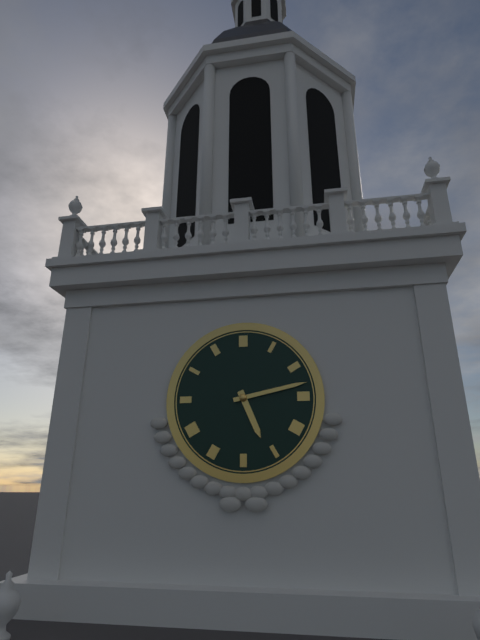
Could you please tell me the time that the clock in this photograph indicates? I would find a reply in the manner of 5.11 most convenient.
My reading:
5.13
